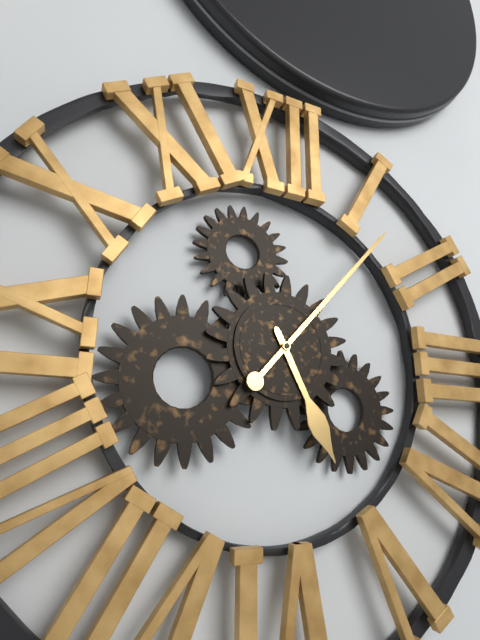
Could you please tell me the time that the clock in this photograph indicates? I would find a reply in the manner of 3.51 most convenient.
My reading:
5.07
